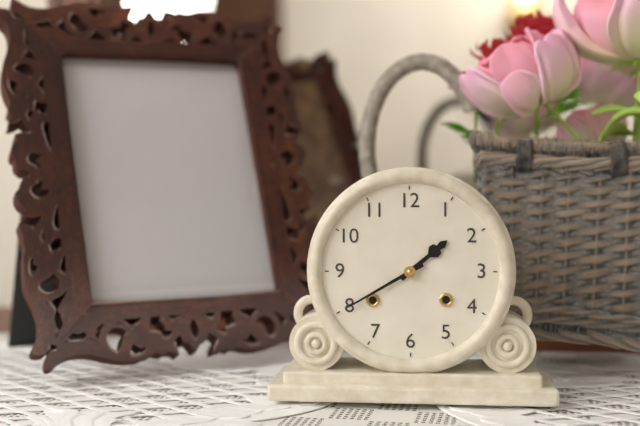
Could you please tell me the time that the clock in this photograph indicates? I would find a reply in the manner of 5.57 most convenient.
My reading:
1.40
